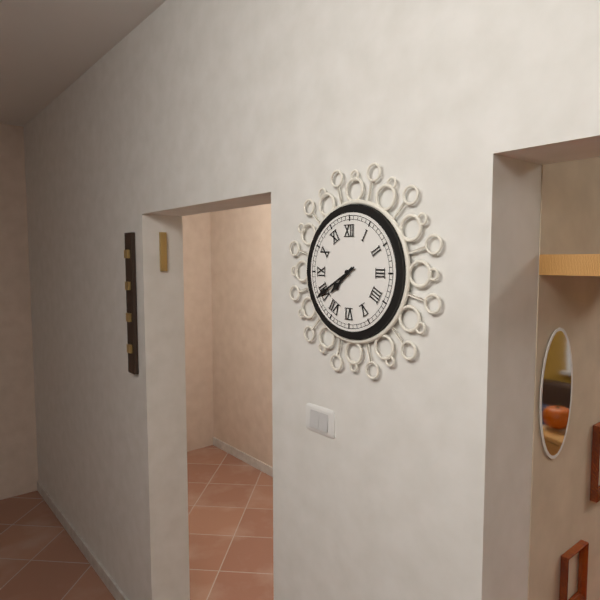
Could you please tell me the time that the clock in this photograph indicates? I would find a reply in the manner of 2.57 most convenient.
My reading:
7.40
